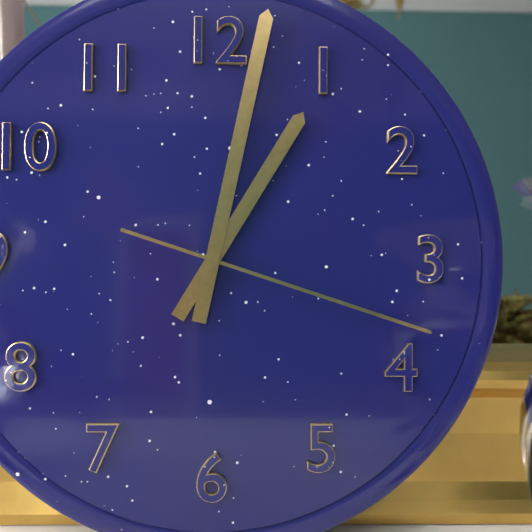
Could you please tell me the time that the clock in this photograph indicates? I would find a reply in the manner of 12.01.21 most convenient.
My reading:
1.02.18
